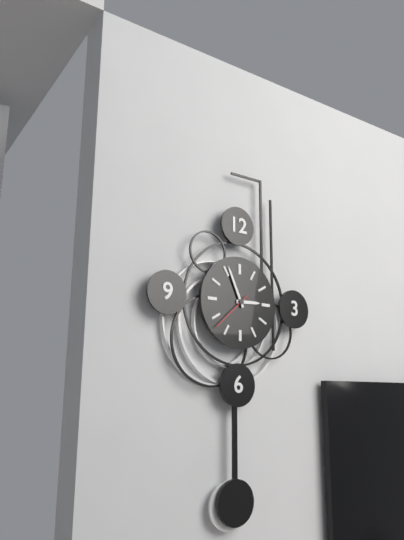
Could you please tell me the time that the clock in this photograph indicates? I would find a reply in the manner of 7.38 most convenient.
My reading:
2.56
